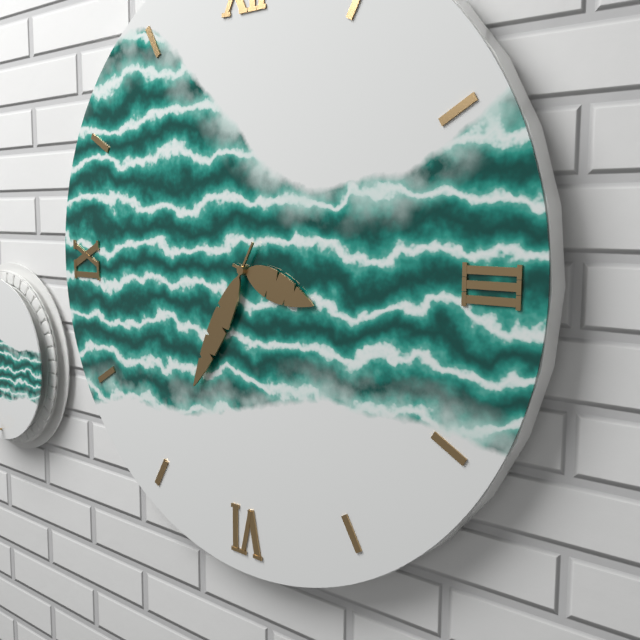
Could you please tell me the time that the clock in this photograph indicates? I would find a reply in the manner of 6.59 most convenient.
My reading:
3.35
